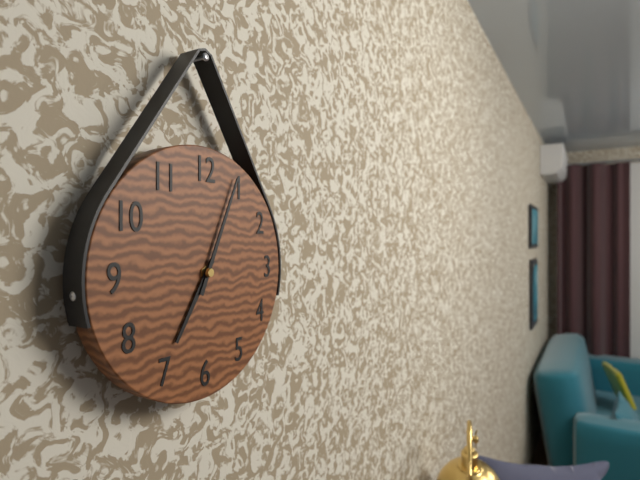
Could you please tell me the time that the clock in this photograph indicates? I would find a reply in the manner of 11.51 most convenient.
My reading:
7.04
